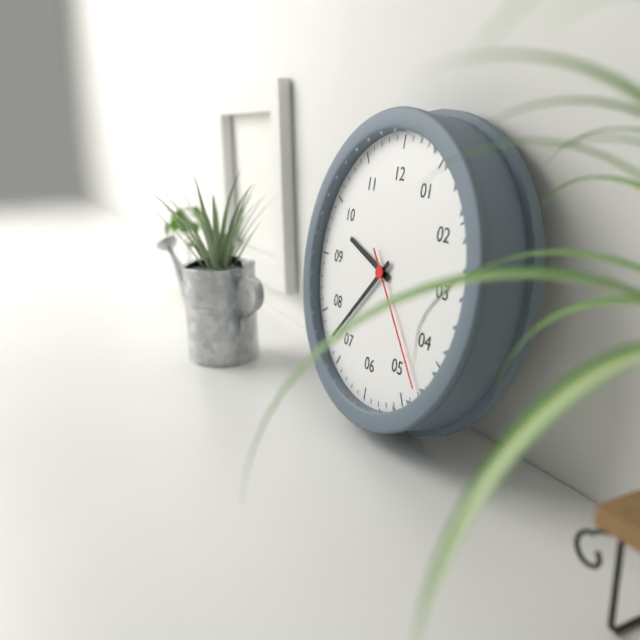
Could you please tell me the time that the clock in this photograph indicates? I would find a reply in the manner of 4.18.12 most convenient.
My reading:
9.37.23
